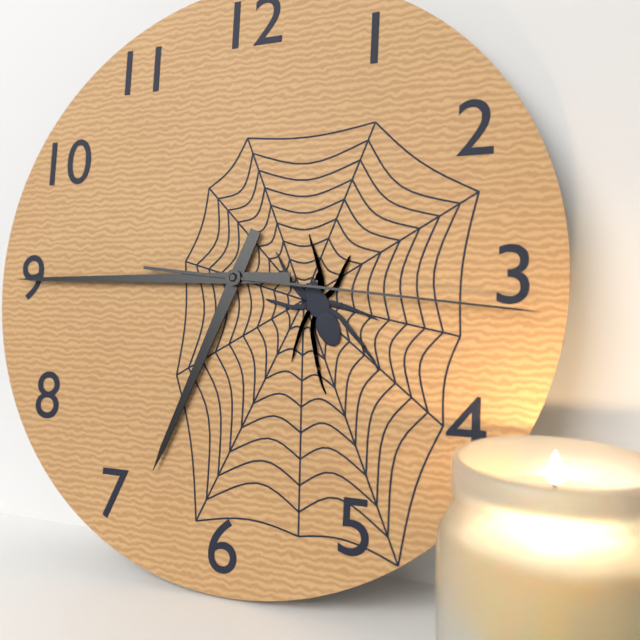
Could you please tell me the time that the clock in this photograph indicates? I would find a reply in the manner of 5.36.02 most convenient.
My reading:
6.45.16
